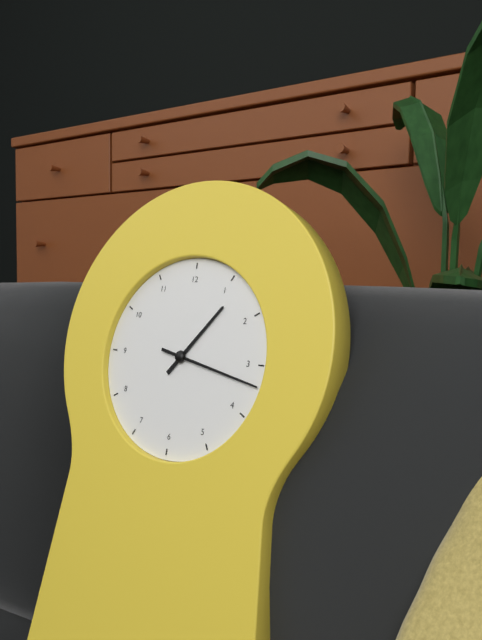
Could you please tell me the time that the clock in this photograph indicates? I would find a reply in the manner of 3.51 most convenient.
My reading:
1.17
